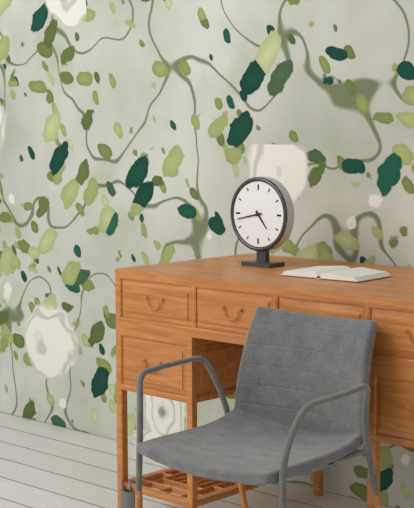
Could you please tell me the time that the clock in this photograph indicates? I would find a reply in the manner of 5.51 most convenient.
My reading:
4.43
